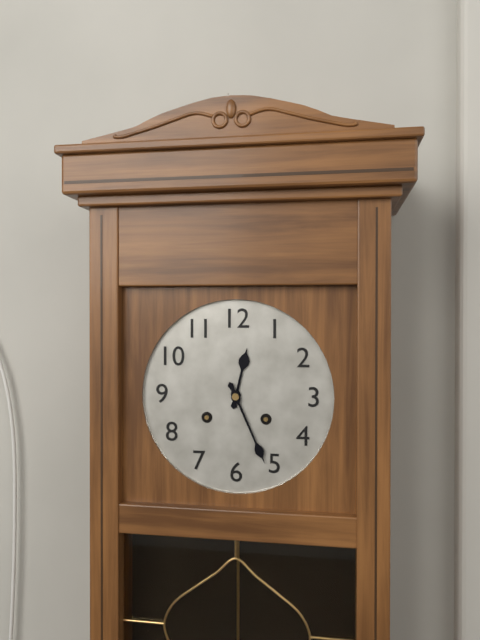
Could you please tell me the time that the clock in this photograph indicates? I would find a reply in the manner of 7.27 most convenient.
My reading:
12.26
